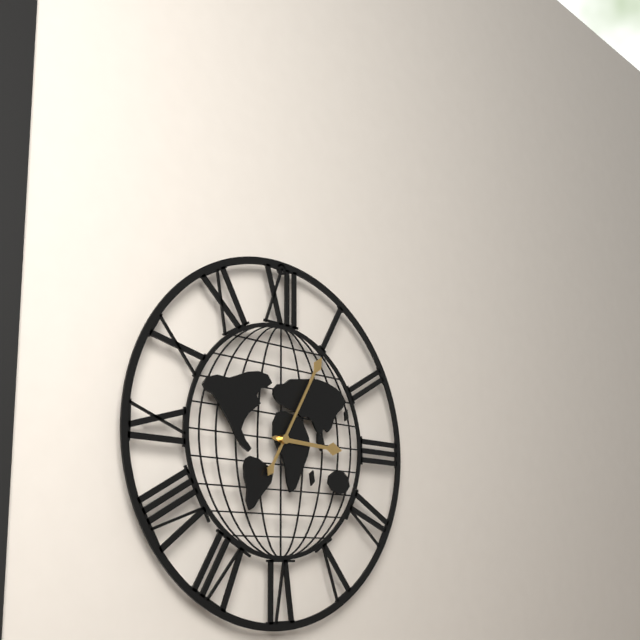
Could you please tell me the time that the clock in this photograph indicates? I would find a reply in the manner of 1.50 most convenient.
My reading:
3.05
